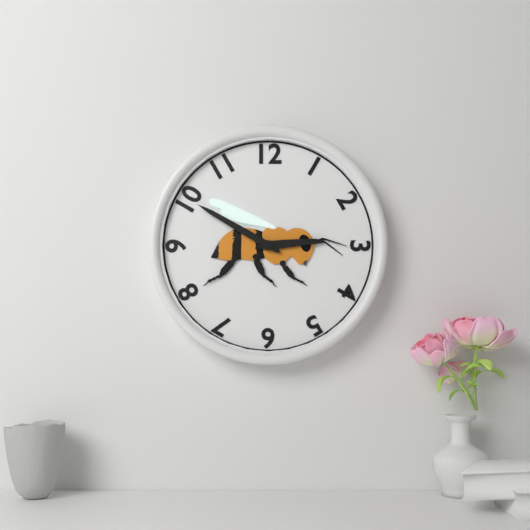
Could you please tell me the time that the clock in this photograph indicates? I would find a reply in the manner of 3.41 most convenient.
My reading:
2.50
